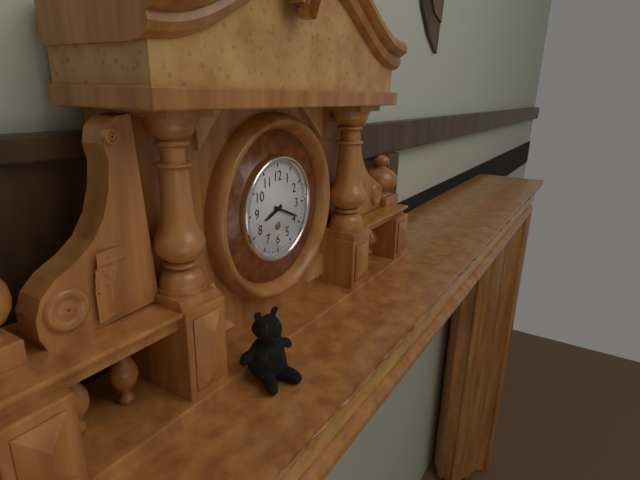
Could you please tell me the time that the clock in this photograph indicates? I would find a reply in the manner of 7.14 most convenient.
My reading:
8.19
